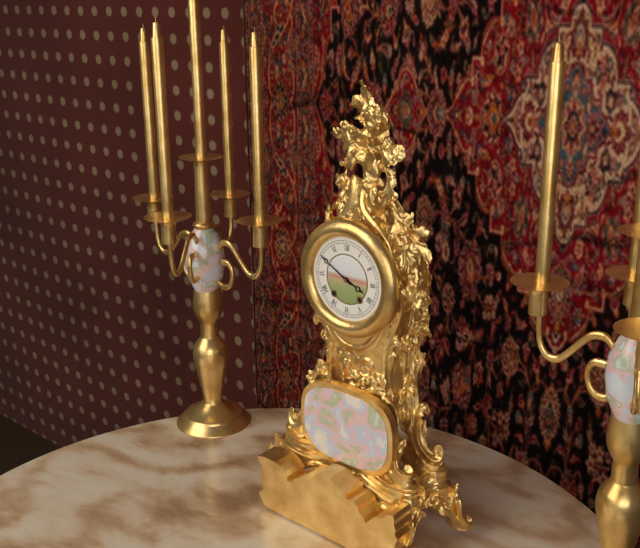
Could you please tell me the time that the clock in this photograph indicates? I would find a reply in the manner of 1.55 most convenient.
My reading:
3.50
